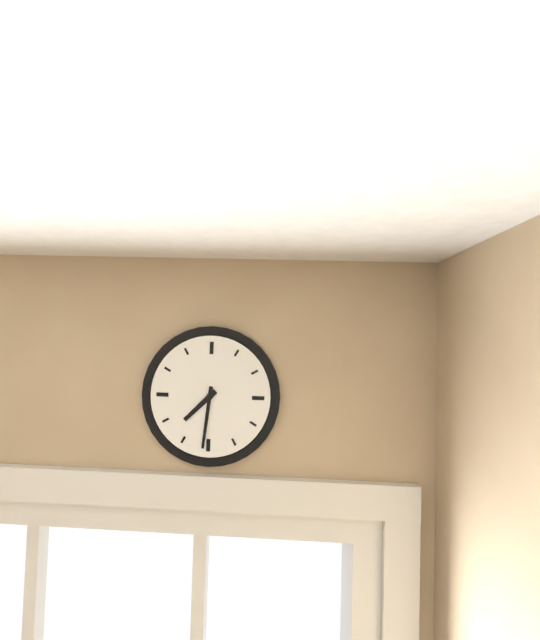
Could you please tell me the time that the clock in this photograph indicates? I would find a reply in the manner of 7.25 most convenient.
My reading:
7.31
